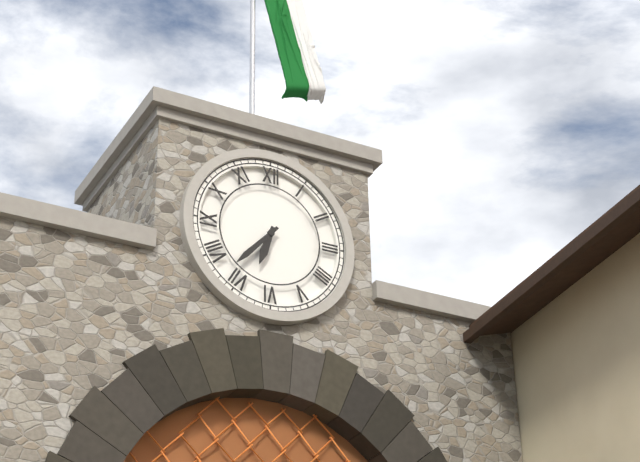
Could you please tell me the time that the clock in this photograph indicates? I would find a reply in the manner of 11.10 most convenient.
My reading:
6.37
